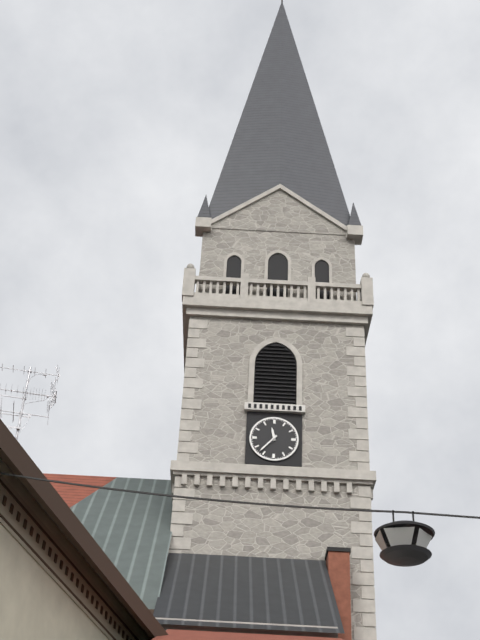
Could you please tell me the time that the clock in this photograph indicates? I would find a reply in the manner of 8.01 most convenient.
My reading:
11.37
